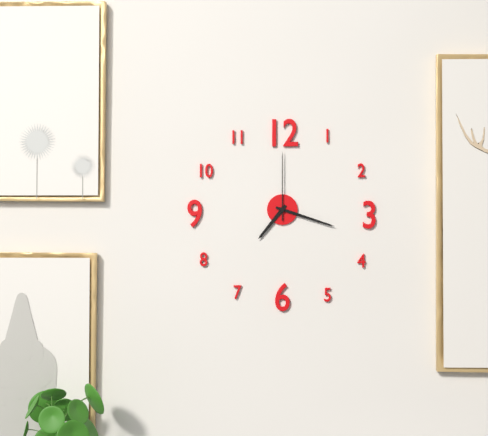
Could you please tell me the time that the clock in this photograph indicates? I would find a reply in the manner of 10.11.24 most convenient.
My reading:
7.18.00
